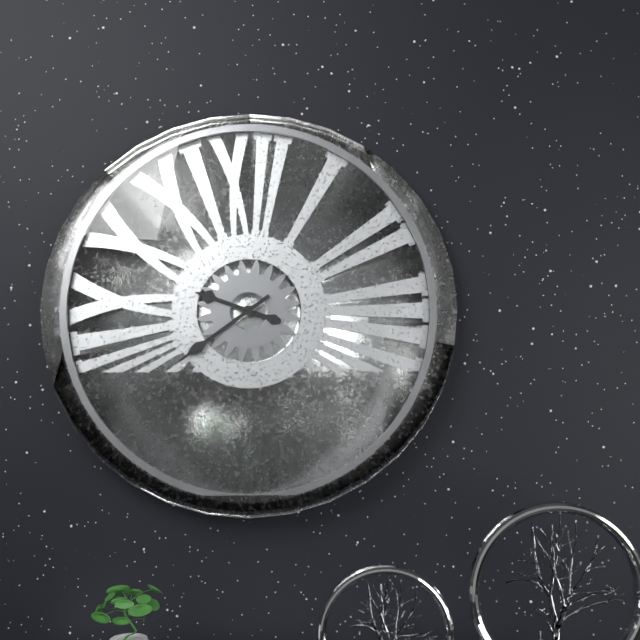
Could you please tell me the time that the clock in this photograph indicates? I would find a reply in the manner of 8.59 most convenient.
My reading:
9.39
